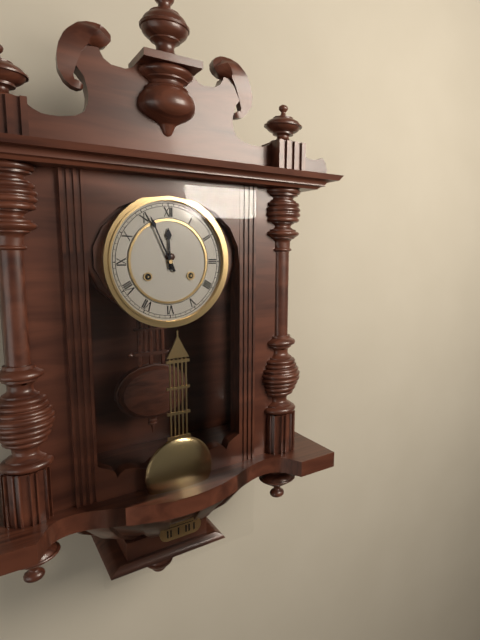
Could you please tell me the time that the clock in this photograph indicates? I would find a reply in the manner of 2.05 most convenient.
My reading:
11.56
